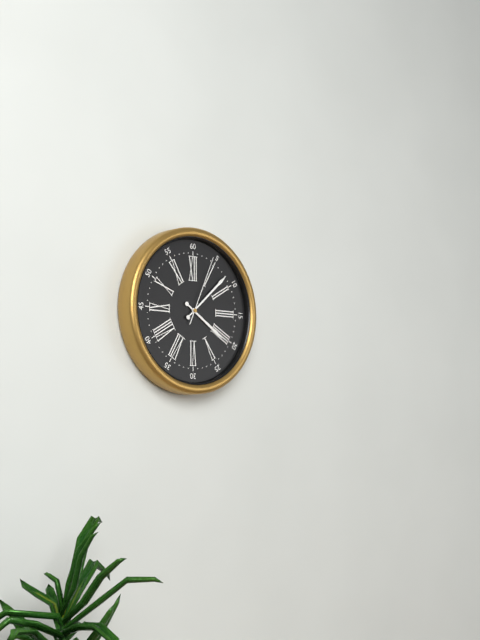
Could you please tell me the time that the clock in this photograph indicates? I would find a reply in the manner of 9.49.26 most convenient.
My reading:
4.08.04
